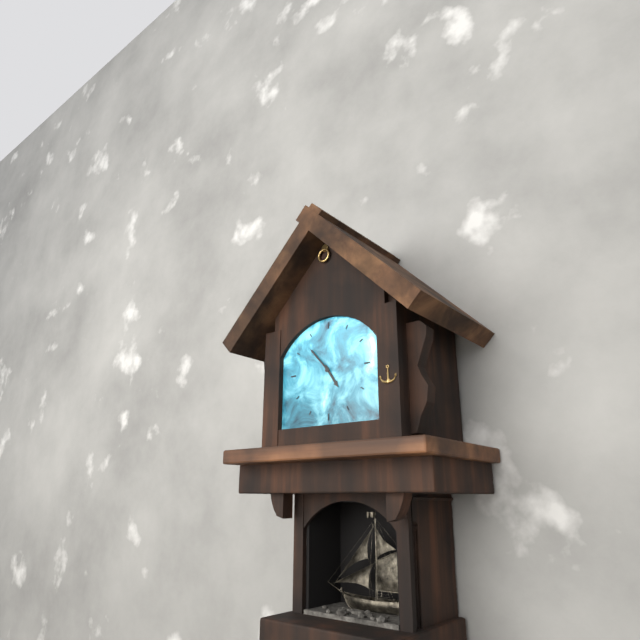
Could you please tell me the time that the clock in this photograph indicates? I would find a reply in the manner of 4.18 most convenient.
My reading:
4.53
